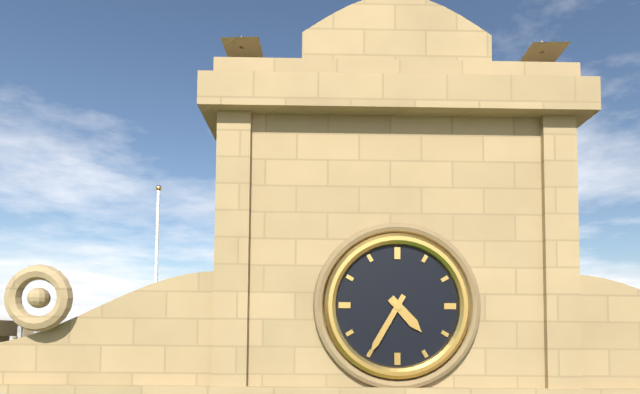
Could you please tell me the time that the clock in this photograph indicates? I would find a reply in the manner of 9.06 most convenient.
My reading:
4.35
